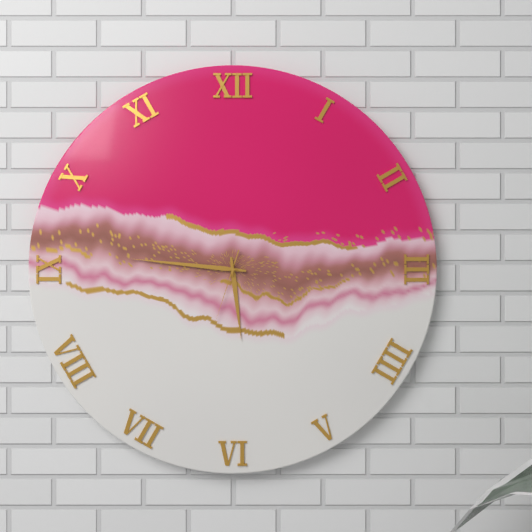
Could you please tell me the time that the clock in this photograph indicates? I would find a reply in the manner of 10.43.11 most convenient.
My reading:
5.46.33
